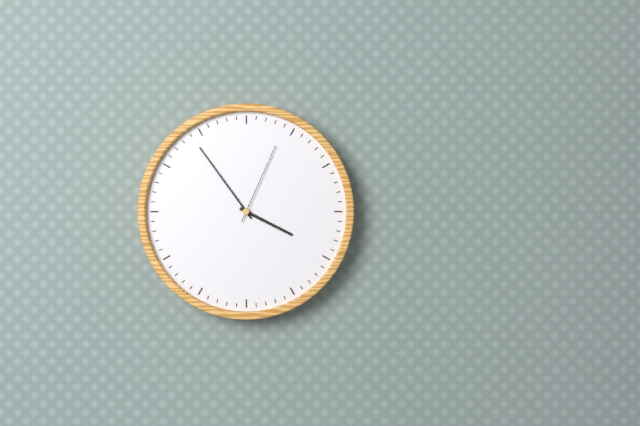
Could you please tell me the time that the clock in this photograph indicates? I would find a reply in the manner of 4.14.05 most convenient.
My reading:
3.54.04
